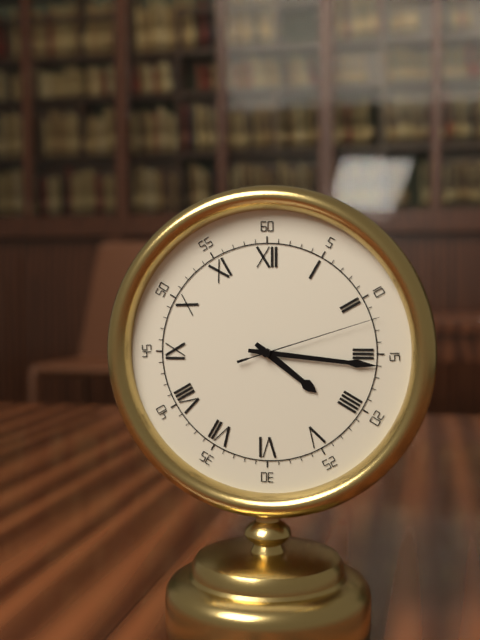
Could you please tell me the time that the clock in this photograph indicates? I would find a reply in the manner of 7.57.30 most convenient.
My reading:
4.16.12
